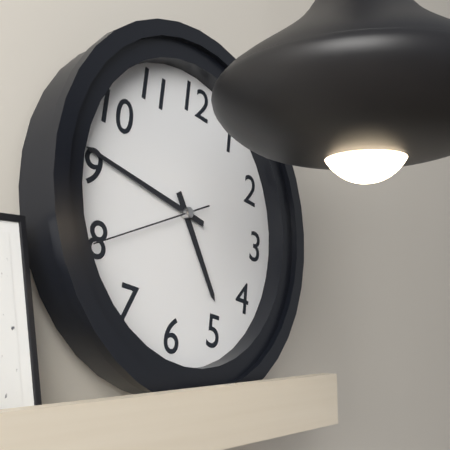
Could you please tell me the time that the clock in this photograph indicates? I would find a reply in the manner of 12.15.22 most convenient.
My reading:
4.46.40
